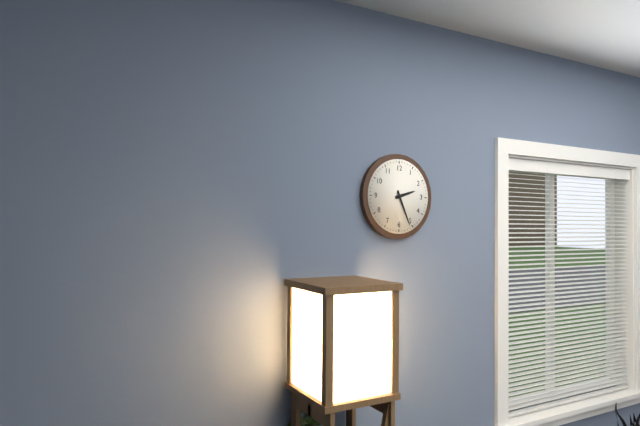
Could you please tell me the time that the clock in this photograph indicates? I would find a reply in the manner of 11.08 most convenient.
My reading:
2.26
